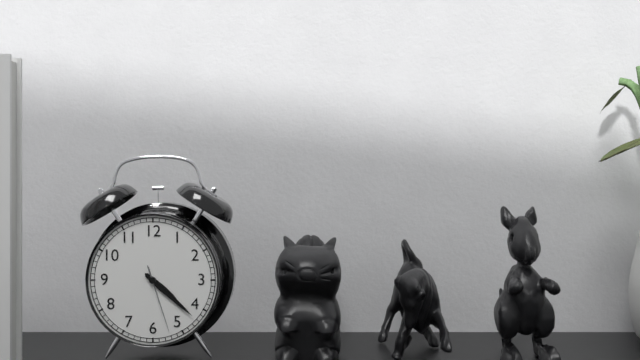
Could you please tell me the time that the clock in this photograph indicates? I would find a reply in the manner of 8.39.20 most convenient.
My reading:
4.22.27
